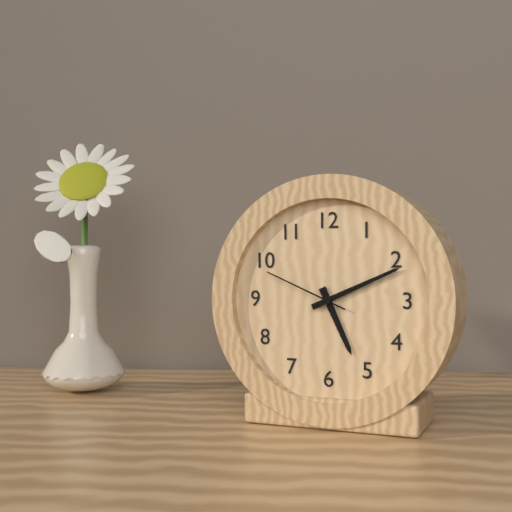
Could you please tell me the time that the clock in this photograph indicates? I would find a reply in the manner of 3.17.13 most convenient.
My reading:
5.11.49
